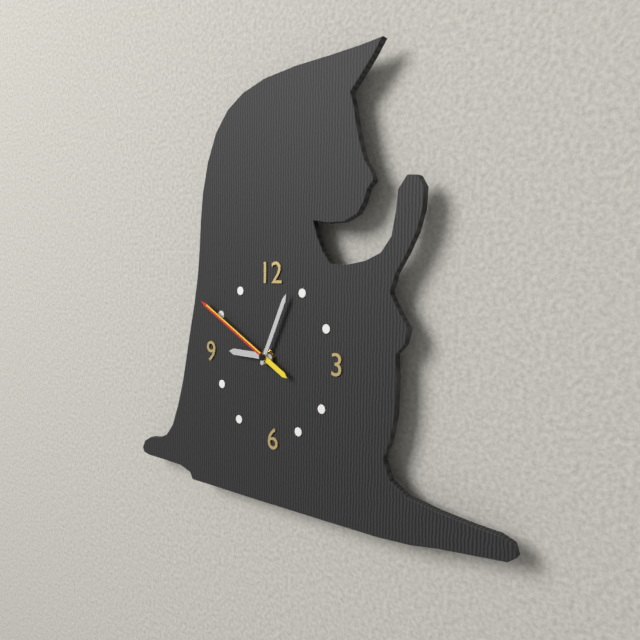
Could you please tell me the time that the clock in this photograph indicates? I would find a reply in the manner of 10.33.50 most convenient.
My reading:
9.04.50
